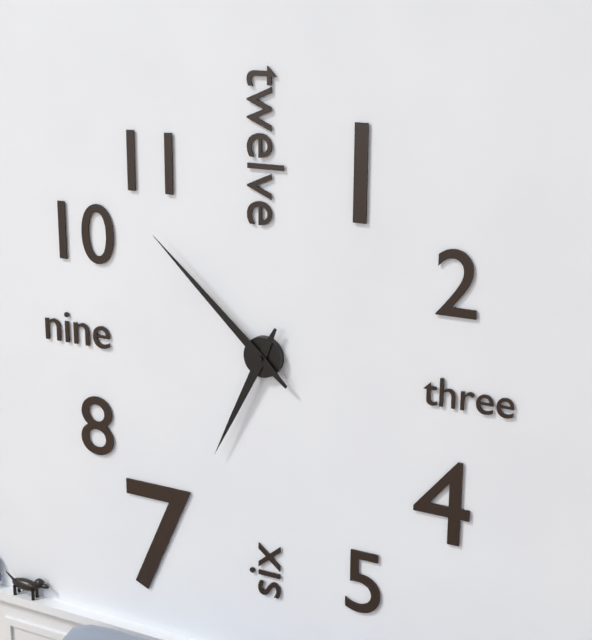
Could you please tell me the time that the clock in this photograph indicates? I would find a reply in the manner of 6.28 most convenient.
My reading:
6.52
